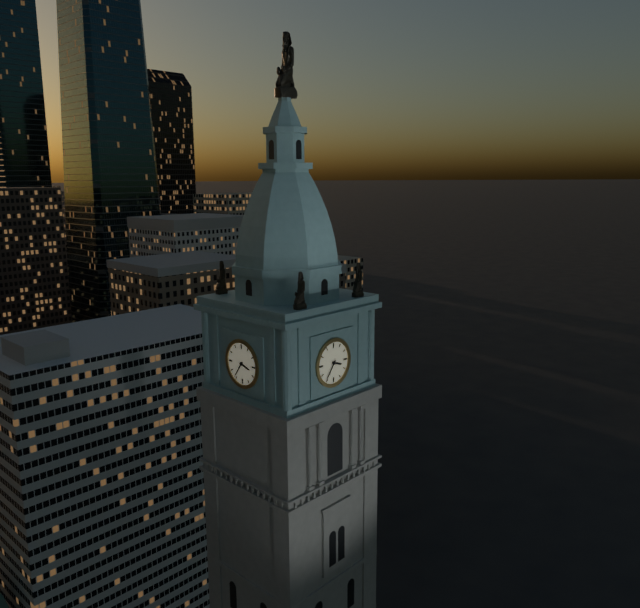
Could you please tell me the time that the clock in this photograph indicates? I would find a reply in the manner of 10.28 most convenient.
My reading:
3.36
